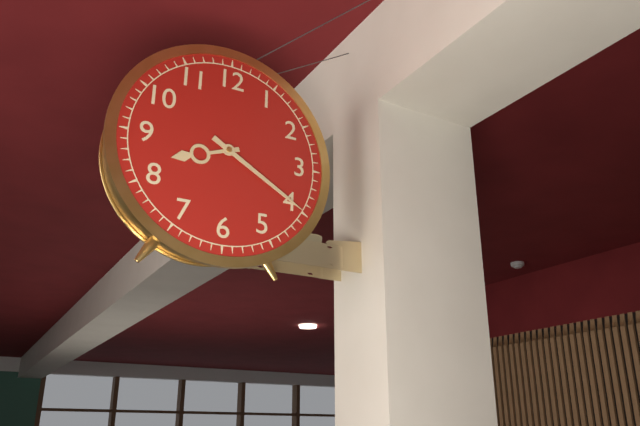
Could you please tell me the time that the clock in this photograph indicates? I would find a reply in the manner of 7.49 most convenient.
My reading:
8.20
